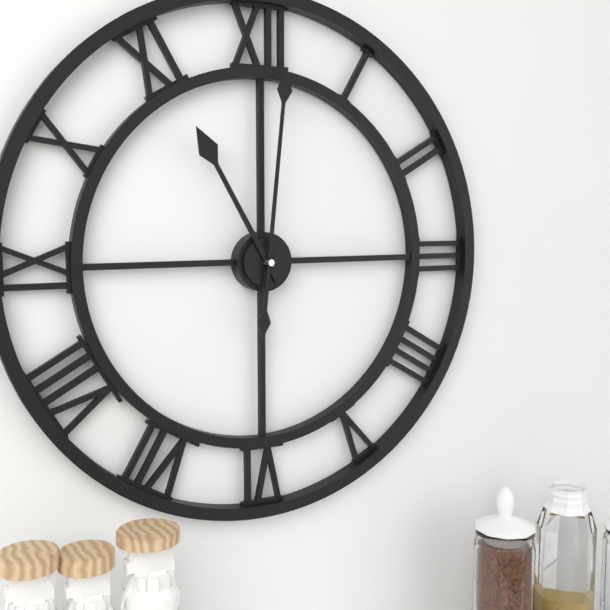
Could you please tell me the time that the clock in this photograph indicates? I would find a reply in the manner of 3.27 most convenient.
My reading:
11.01
